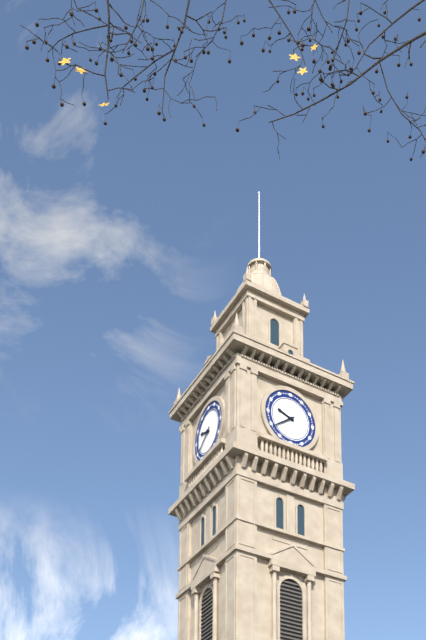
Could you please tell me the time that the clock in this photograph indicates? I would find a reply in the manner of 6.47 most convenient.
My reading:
9.39
